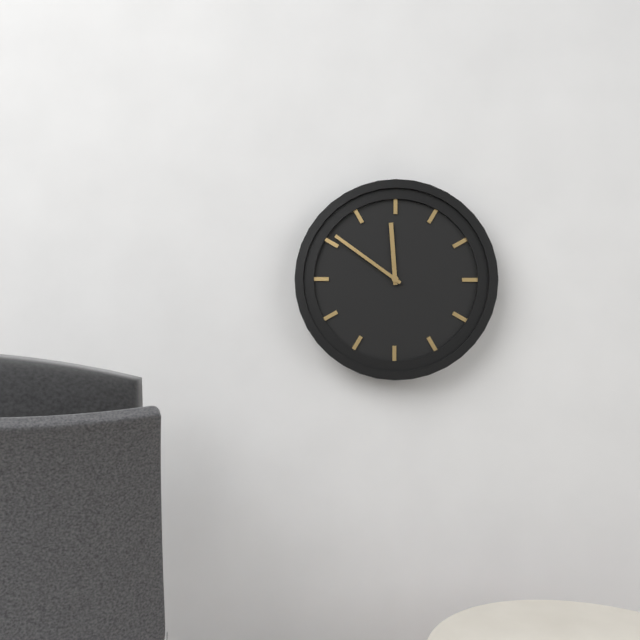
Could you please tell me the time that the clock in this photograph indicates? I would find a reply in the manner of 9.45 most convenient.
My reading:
11.51
